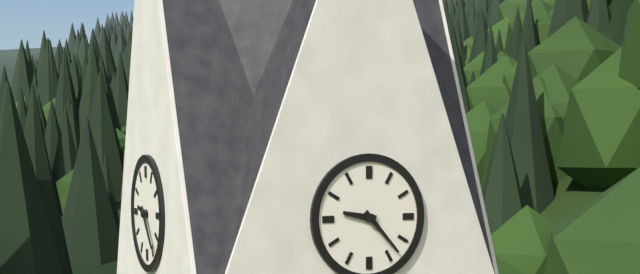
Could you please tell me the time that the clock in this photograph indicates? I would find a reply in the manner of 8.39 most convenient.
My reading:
9.23
